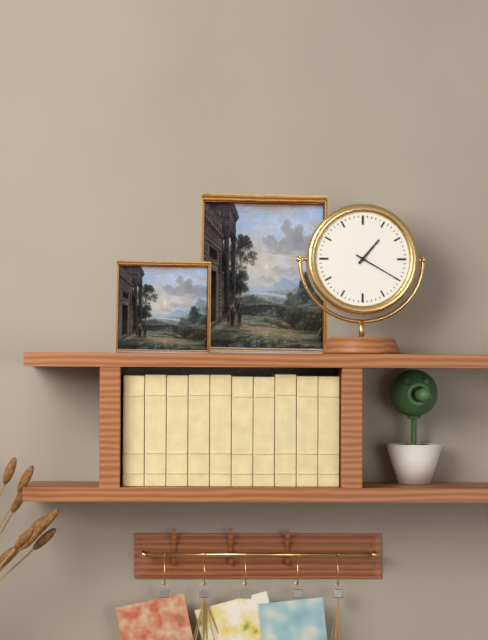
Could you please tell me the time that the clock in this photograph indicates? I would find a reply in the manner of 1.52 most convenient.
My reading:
1.20
